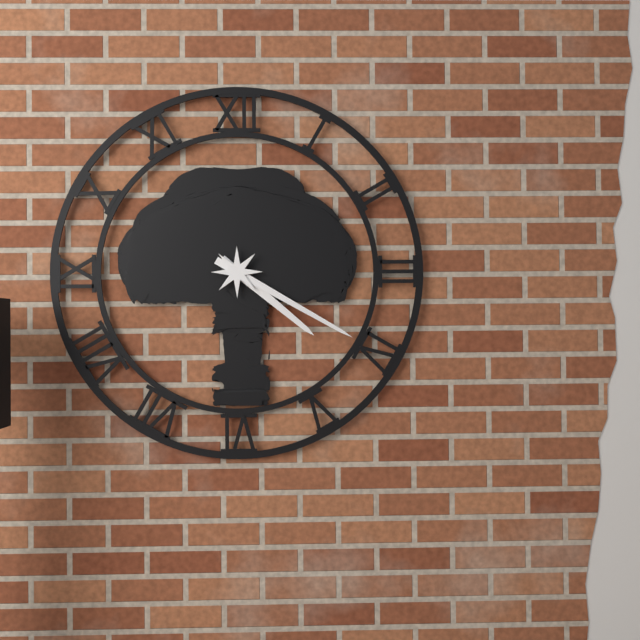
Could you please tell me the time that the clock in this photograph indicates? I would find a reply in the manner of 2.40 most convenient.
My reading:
4.20
